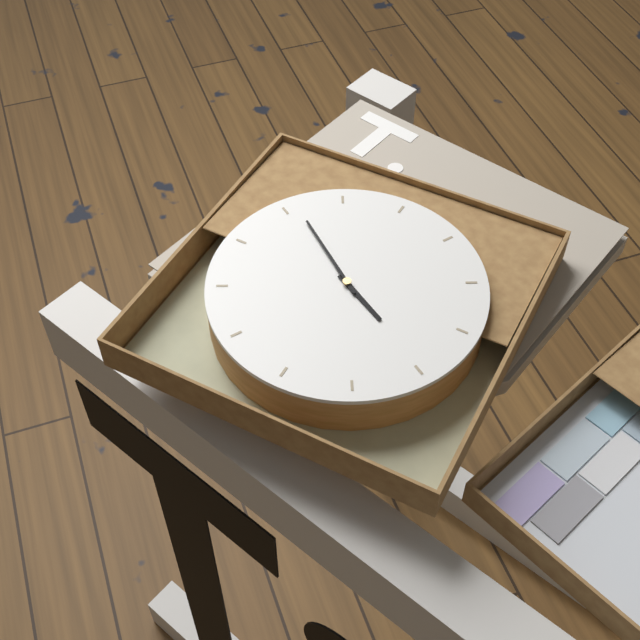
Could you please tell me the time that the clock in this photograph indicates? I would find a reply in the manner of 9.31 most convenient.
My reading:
4.56
